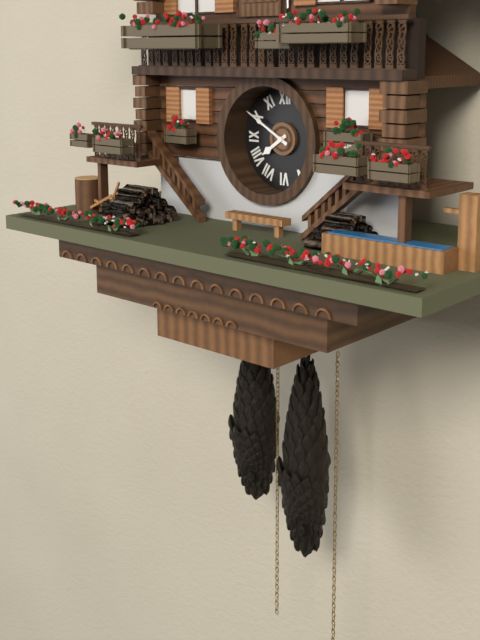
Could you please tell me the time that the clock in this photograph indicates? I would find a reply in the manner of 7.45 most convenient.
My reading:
7.50
